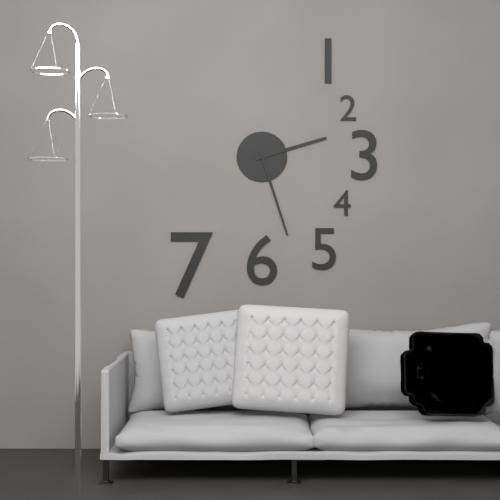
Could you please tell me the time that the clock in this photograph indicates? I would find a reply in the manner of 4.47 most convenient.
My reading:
2.27
